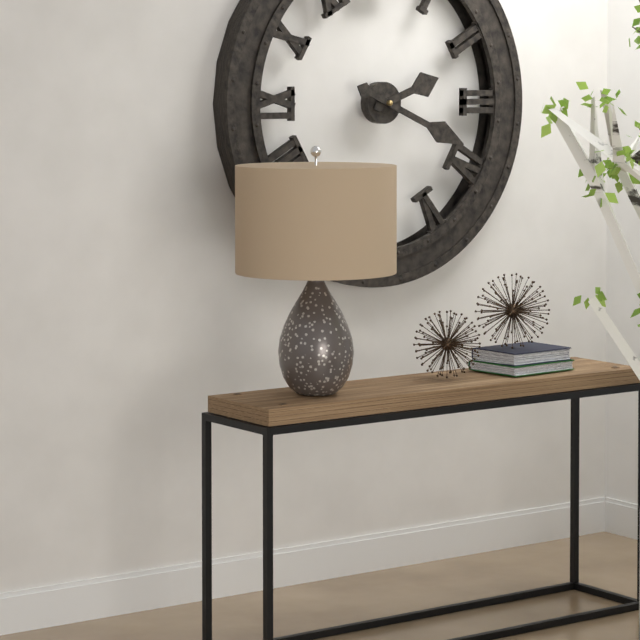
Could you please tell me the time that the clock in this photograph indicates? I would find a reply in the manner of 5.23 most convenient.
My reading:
2.19
